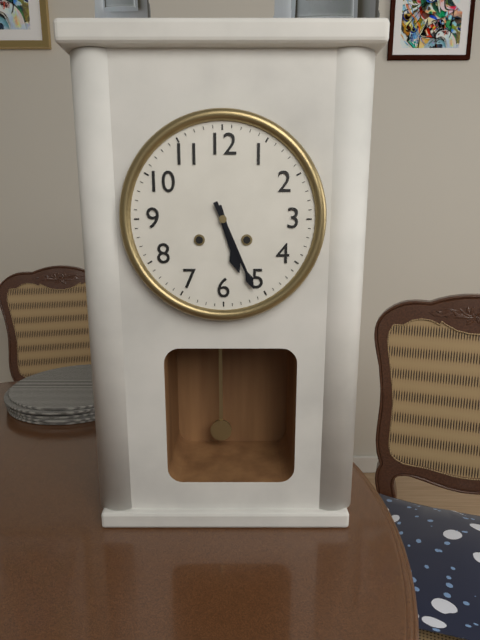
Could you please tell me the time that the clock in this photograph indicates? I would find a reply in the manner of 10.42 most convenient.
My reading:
5.26
